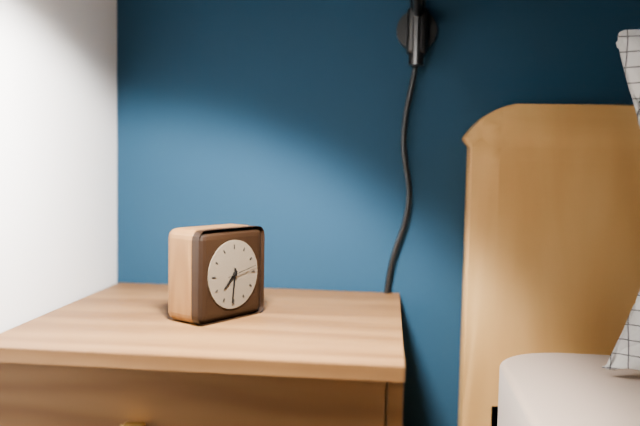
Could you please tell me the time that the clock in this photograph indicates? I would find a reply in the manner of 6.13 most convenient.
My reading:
7.31
